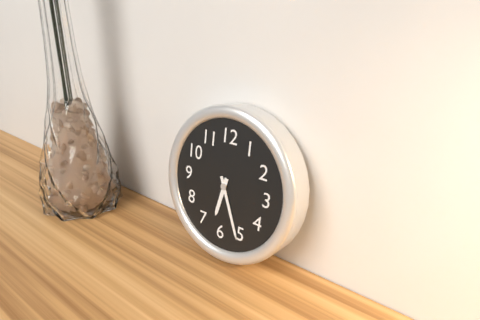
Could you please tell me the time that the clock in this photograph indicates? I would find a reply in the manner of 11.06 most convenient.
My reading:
6.26
